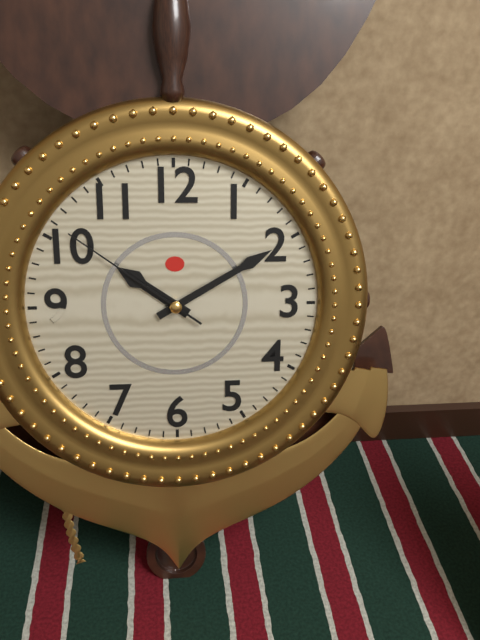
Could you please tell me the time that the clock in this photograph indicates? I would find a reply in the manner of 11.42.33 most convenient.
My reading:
10.10.51
